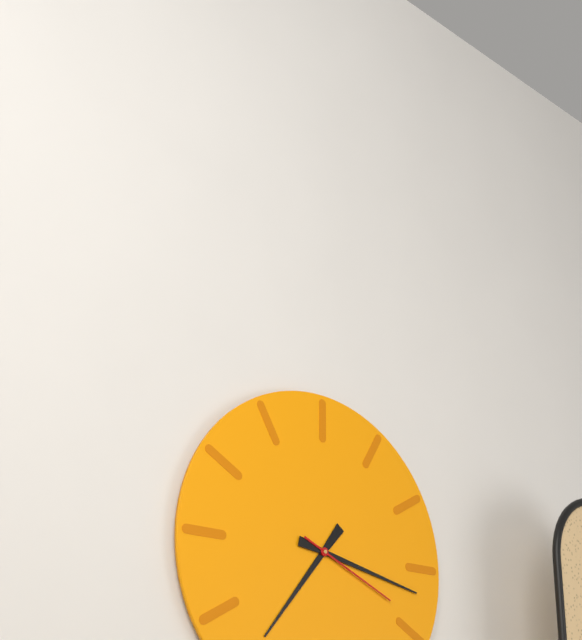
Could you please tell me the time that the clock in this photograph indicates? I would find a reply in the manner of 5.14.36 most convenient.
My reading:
7.17.19
